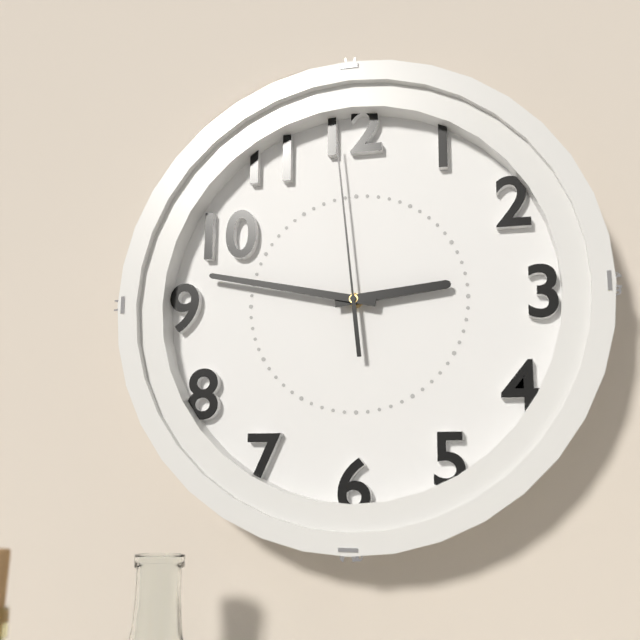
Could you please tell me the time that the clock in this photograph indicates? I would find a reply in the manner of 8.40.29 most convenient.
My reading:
2.47.59
